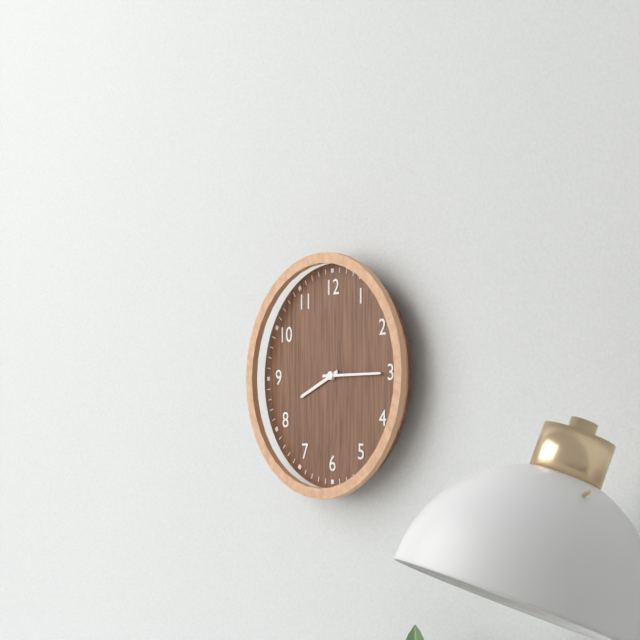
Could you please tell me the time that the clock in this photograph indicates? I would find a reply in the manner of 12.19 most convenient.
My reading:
8.15
